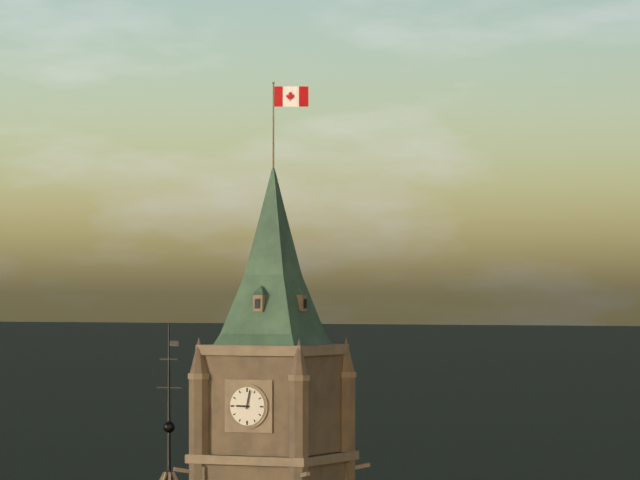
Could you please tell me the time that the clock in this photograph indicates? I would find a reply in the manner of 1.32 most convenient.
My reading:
9.02
